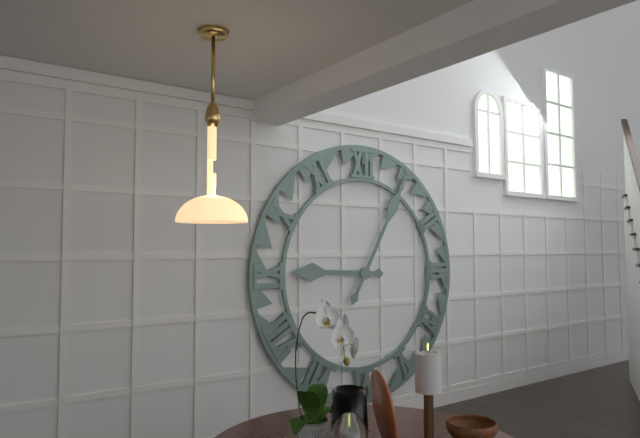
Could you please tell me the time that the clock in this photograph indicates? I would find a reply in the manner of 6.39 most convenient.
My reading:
9.05
